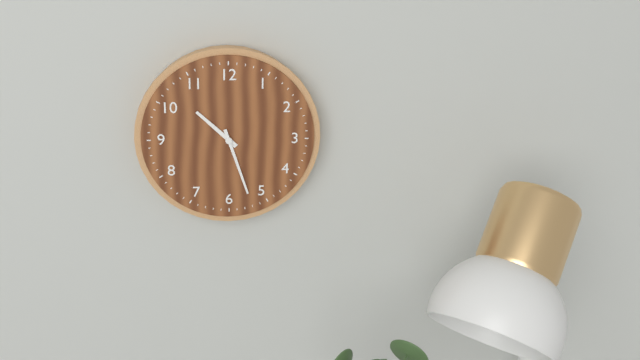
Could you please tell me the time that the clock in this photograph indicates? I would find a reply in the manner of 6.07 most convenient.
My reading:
10.27
